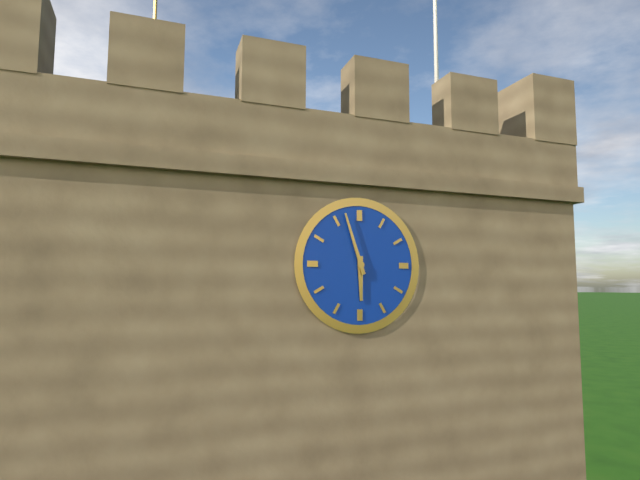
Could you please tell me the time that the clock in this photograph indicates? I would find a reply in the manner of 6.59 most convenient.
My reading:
5.57
